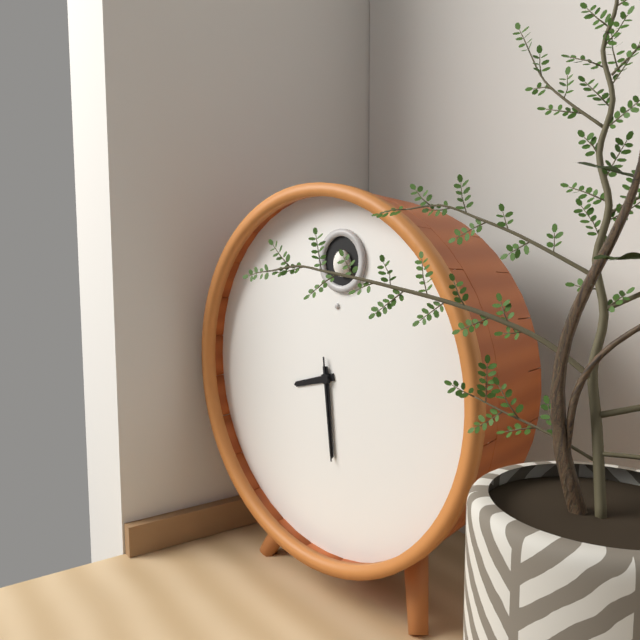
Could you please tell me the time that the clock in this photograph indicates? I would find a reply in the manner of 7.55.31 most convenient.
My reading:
8.29.29
